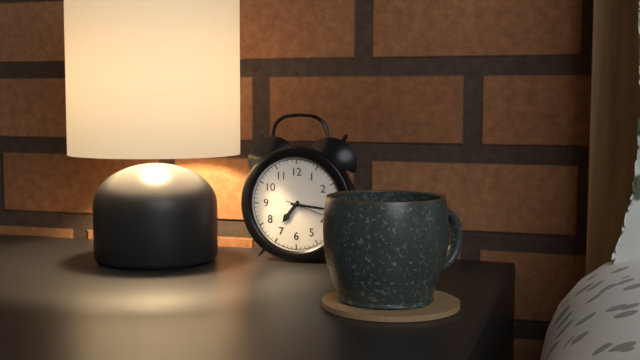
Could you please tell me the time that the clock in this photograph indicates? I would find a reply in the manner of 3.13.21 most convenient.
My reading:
7.16.18
